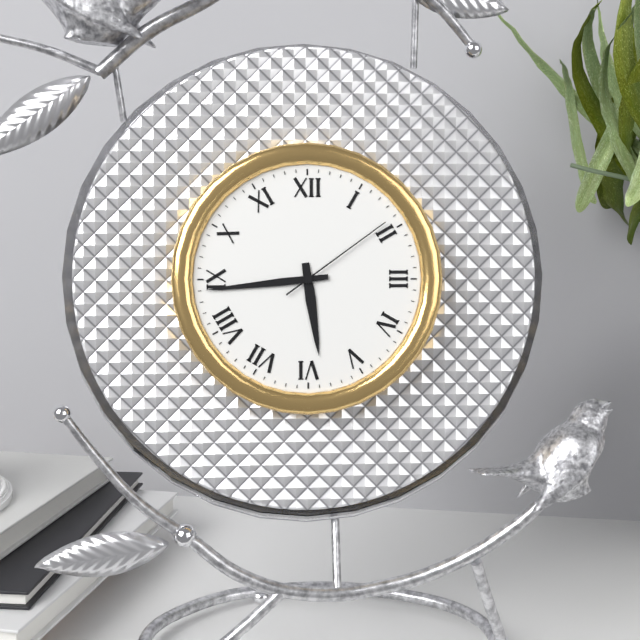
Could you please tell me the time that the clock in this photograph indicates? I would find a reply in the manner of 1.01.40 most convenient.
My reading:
5.44.09
